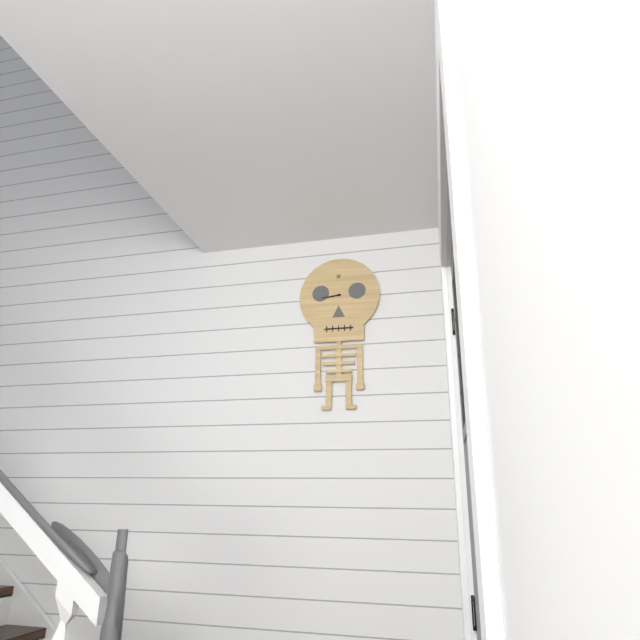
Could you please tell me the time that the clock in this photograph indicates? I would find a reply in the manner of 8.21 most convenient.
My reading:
8.44
